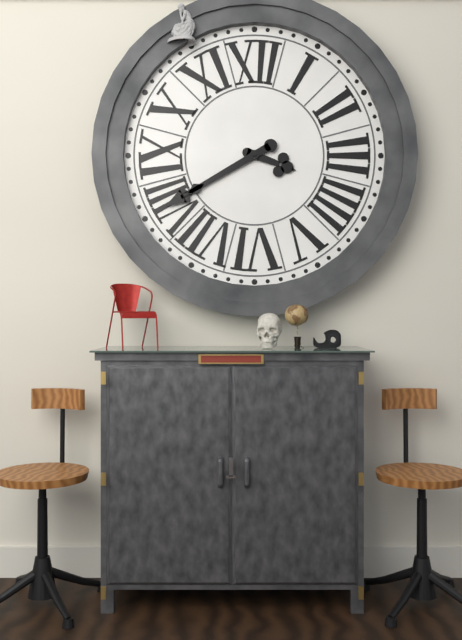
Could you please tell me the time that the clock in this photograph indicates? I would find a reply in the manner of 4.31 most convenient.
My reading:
3.40
